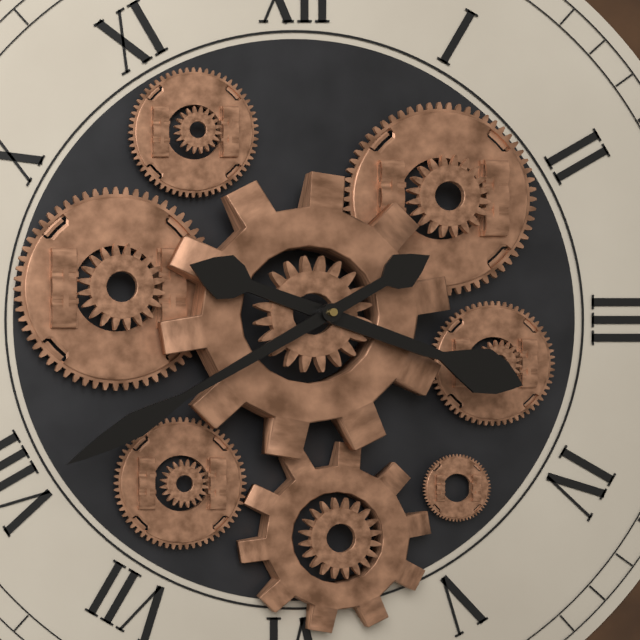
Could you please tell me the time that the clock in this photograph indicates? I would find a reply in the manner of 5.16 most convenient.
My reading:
3.40
